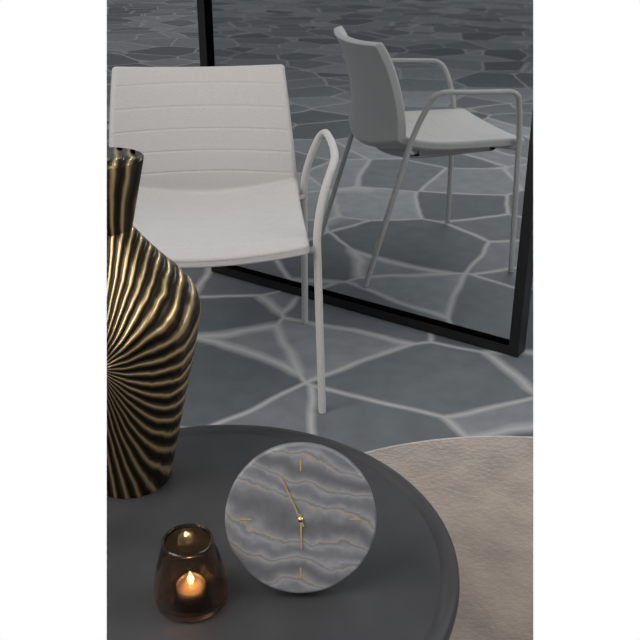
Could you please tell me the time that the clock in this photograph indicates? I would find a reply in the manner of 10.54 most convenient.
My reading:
5.56
